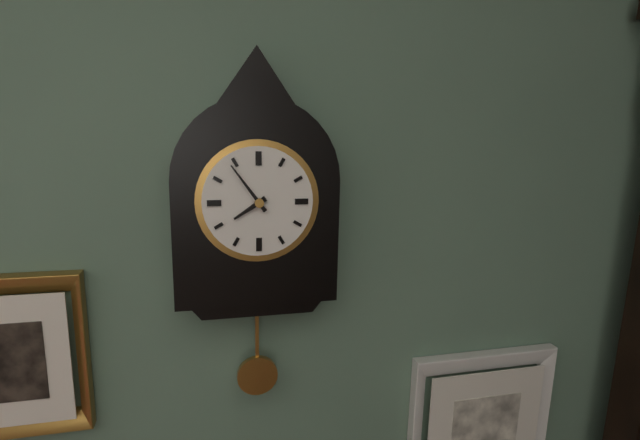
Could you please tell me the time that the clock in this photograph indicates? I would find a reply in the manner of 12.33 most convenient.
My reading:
7.54
